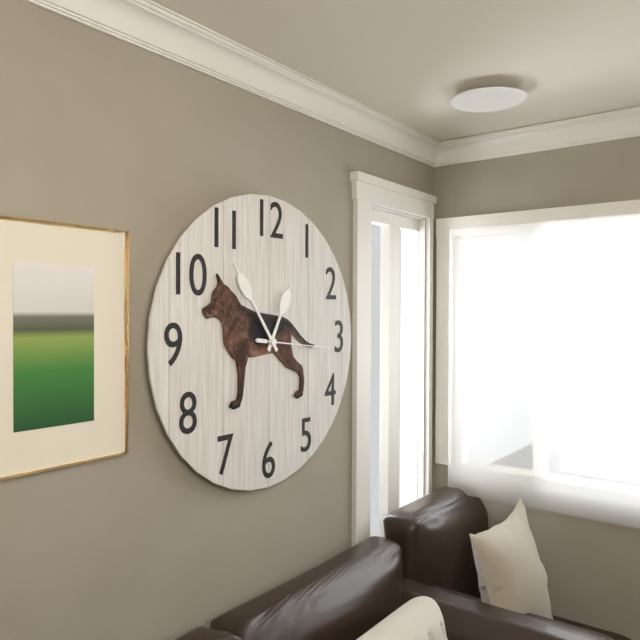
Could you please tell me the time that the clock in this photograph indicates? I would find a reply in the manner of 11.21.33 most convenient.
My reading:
12.54.16
